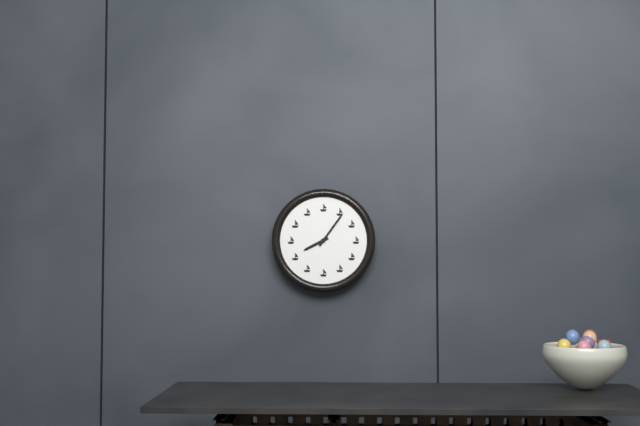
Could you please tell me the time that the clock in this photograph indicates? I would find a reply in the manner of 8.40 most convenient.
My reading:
8.06
